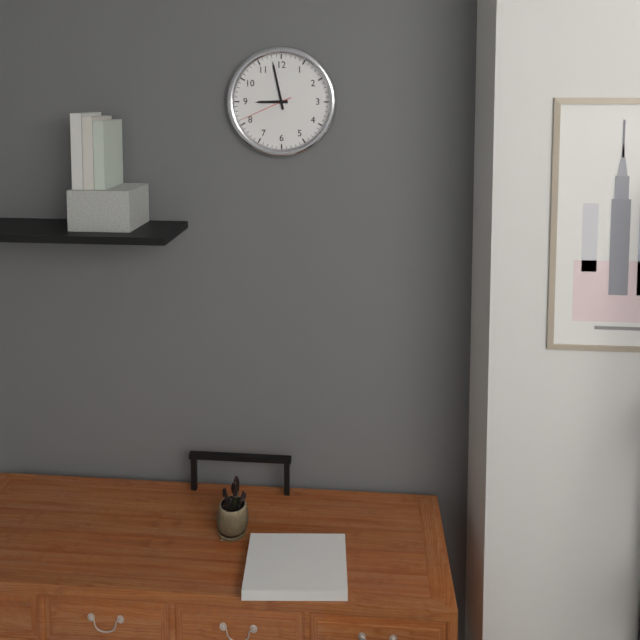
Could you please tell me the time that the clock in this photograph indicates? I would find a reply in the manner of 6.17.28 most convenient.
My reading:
8.58.41
